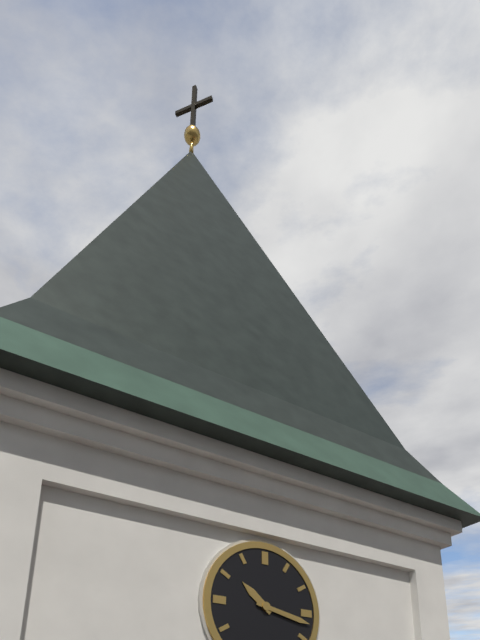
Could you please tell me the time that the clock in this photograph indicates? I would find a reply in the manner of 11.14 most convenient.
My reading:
10.17
